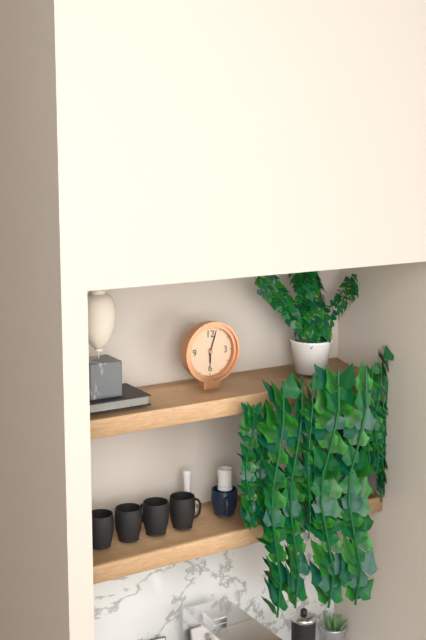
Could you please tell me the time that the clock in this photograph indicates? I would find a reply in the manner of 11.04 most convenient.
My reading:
6.03
